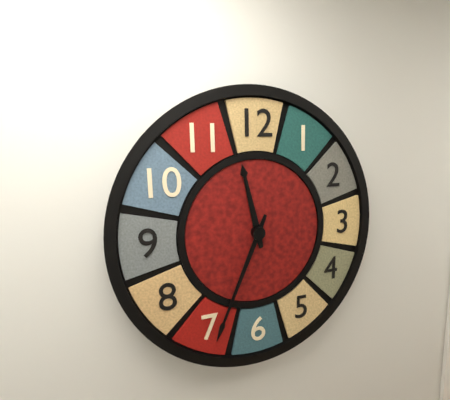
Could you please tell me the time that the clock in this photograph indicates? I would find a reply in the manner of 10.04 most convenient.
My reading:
11.34
